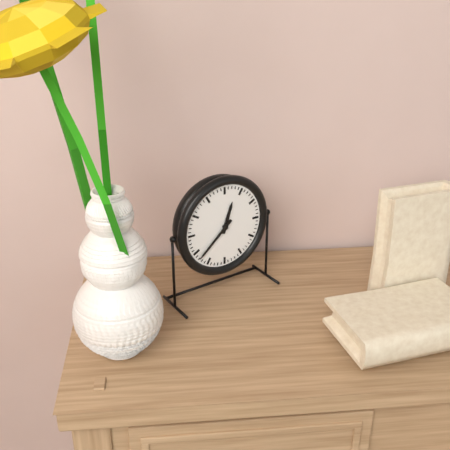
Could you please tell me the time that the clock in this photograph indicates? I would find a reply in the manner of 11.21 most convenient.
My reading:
12.38
